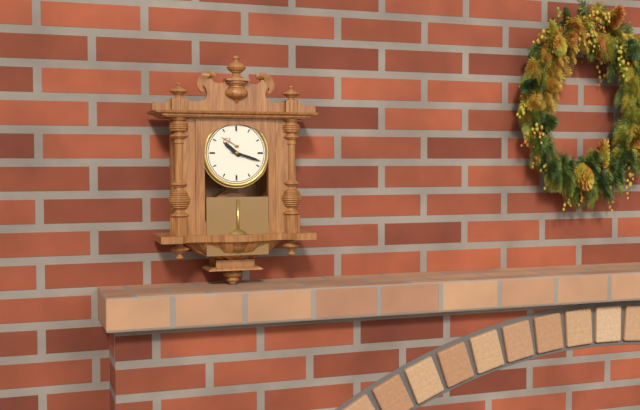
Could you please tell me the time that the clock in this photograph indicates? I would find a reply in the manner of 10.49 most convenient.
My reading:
10.18
